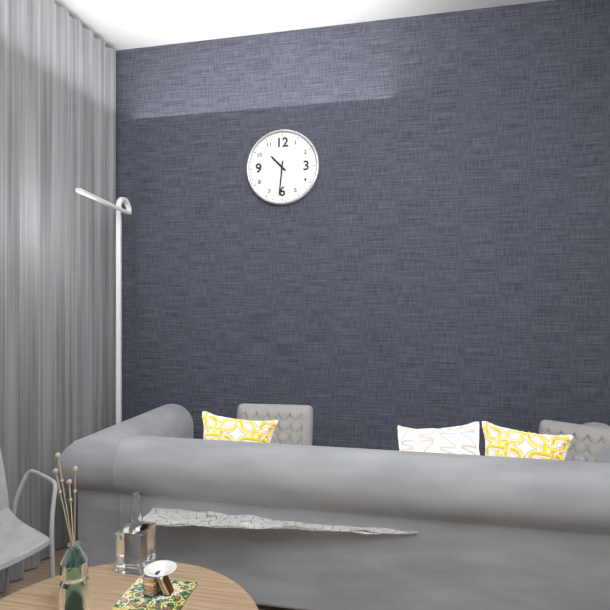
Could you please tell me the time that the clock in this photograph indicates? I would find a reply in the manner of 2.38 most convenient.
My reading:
10.31
